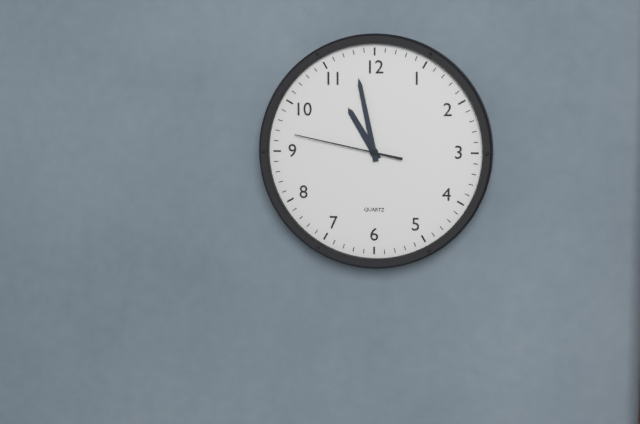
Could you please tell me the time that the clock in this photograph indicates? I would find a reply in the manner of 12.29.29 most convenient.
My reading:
10.58.47
